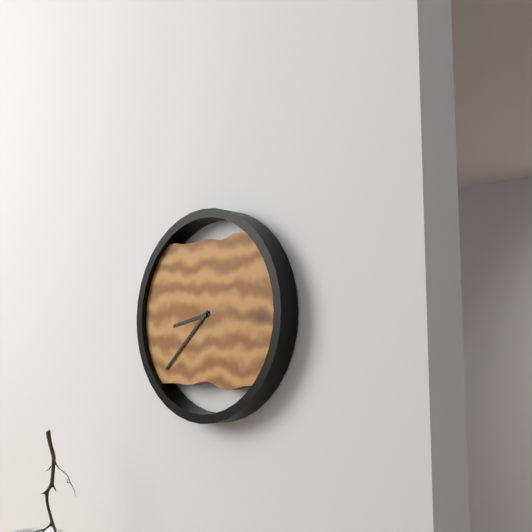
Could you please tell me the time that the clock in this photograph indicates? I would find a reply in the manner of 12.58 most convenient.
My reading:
8.38
